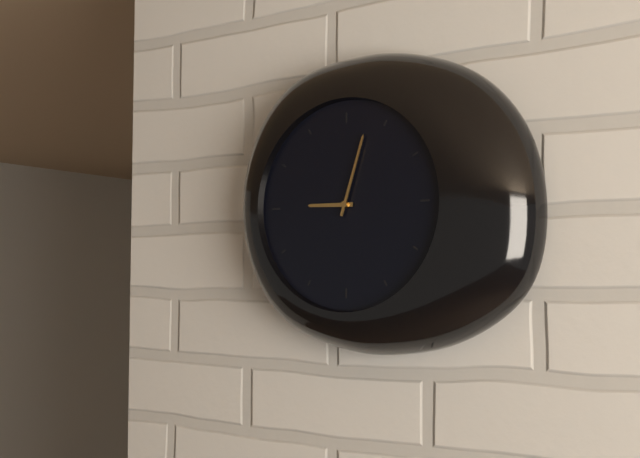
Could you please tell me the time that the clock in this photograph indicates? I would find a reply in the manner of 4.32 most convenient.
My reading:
9.03
